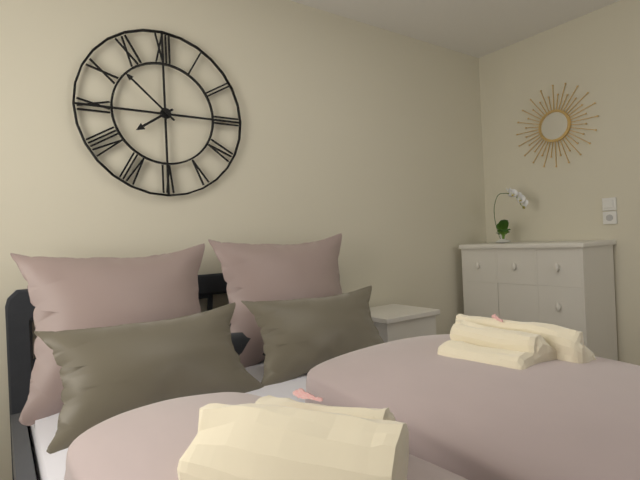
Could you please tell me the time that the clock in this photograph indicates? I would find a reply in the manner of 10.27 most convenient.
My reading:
7.52
